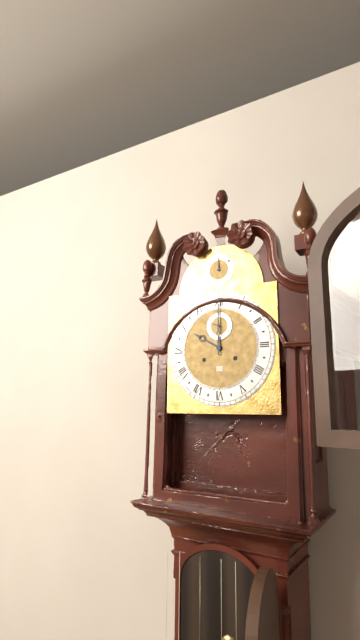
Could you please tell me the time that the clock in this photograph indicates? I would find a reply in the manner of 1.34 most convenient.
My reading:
10.00
